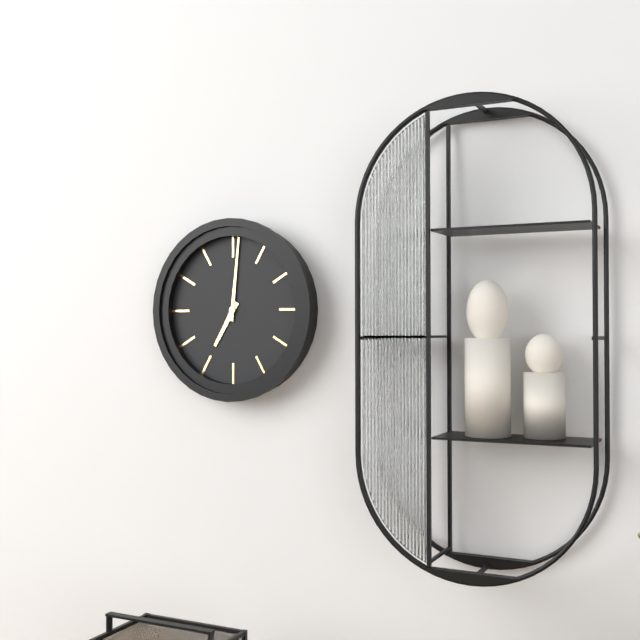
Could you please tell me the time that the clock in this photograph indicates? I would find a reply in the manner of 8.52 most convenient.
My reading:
7.01
